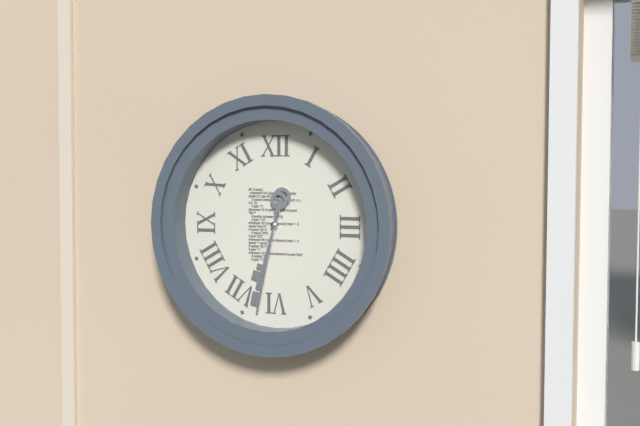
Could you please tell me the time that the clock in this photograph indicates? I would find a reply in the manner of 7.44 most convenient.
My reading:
6.32
